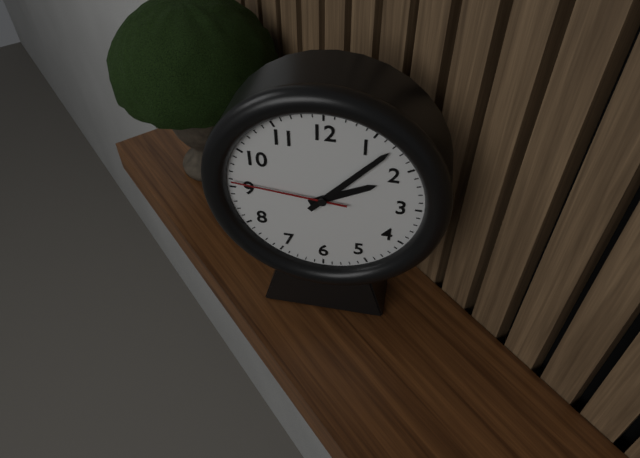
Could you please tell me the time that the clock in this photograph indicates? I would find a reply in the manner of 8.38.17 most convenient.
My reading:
2.07.46
